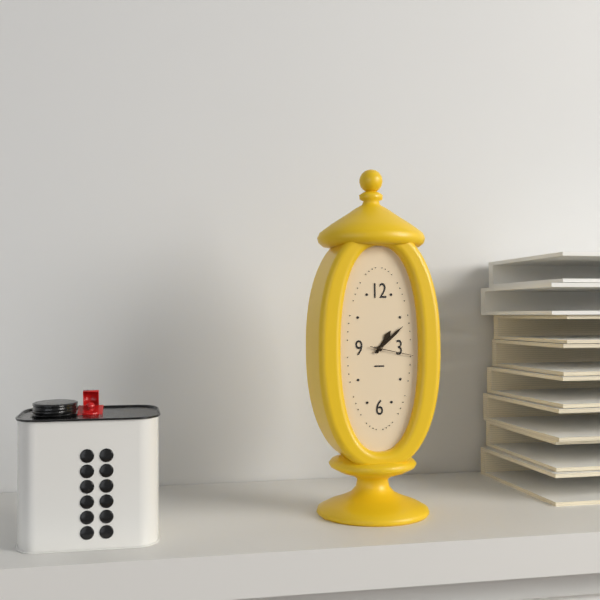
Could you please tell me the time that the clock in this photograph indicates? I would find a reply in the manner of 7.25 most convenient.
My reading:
1.08
